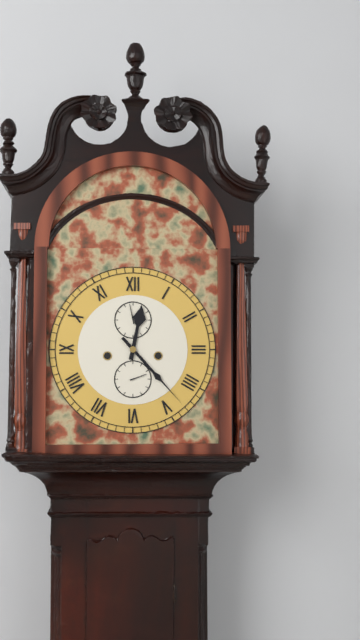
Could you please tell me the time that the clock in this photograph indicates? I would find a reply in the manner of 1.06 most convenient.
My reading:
12.23
